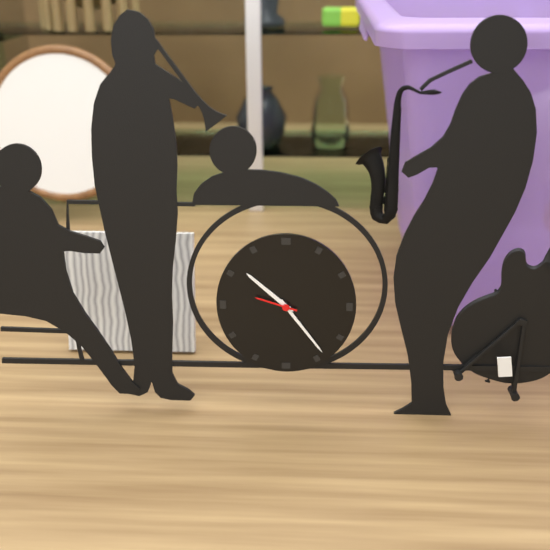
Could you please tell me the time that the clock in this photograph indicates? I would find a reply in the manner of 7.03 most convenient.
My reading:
10.24
